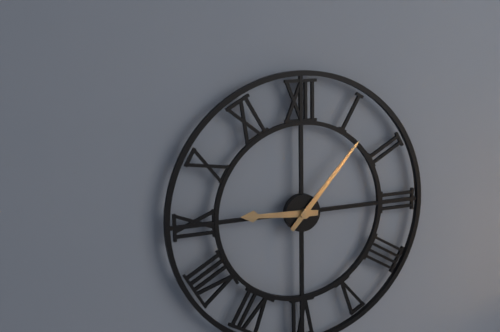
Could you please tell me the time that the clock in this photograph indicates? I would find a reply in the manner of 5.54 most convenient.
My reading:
9.07
